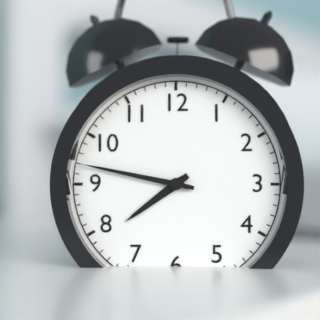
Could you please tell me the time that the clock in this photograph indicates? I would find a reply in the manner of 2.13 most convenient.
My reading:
7.47
